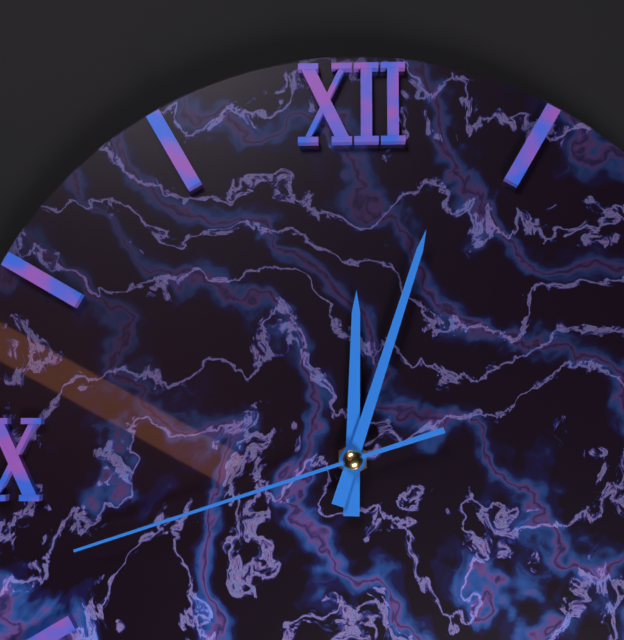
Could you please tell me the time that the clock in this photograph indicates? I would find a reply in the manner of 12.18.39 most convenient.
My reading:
12.03.42
